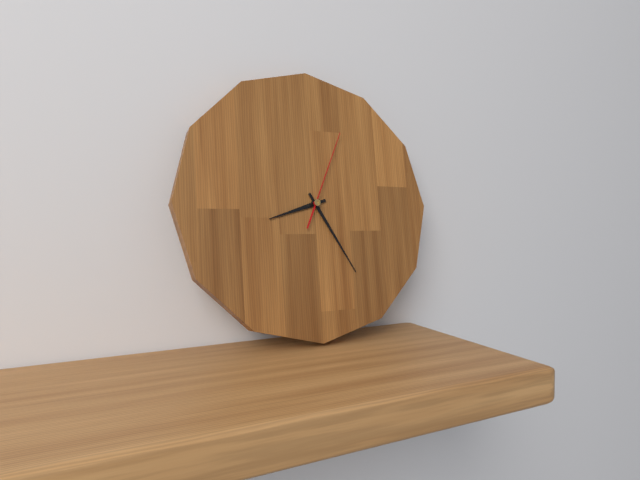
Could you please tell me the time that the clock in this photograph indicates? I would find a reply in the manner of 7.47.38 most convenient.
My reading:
8.25.04
